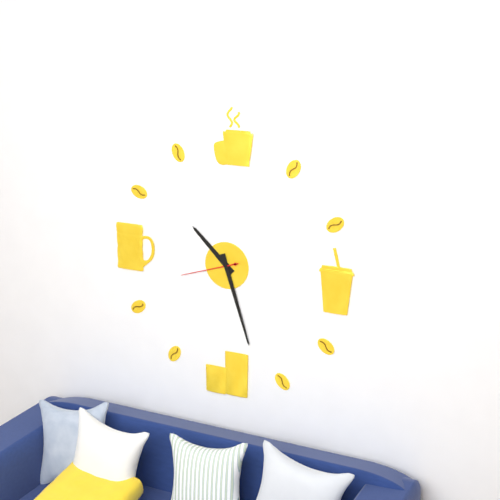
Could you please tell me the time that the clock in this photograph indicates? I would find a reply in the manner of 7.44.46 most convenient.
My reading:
10.27.42
